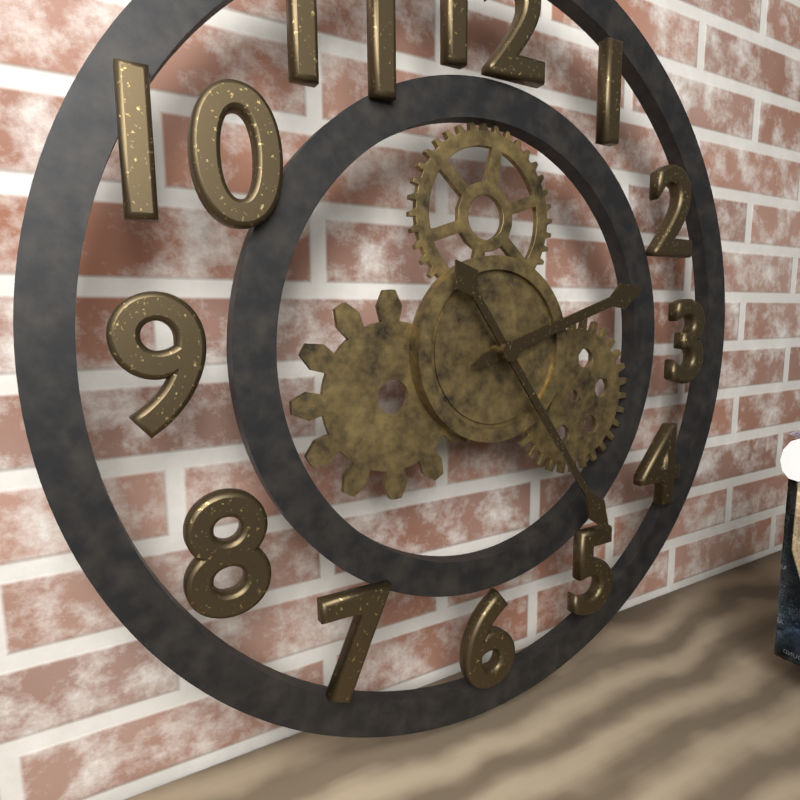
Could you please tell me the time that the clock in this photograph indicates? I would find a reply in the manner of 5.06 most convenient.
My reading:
2.24
